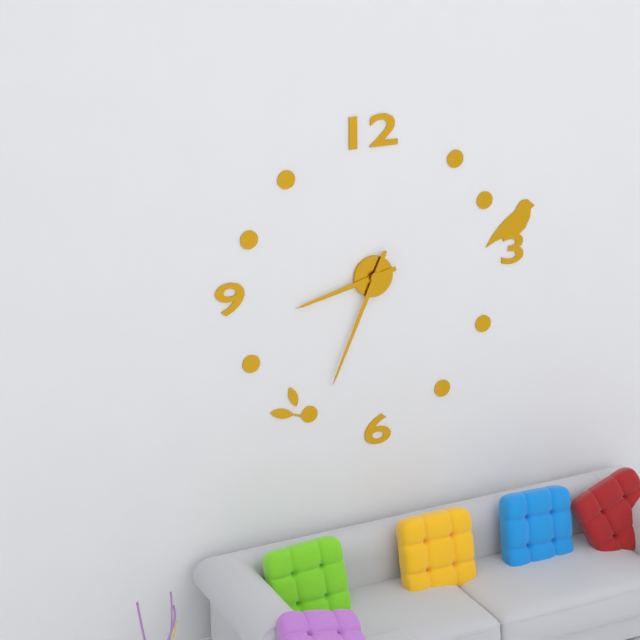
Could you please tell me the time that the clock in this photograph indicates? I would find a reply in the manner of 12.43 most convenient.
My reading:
8.34
